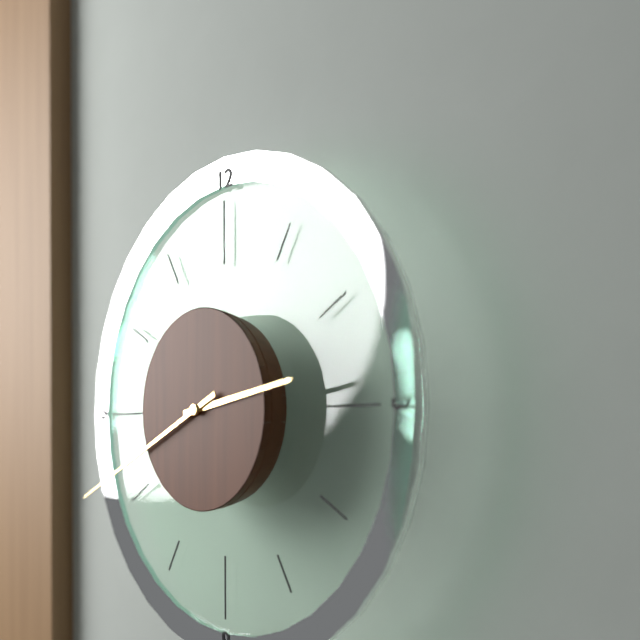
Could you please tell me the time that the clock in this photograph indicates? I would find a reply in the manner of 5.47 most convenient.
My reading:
2.41
